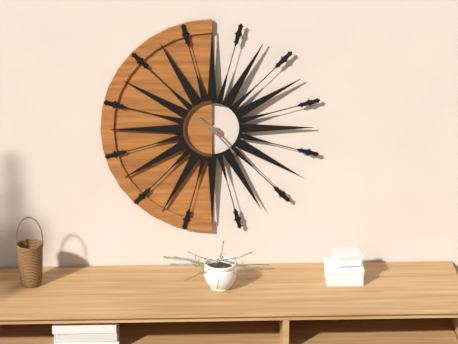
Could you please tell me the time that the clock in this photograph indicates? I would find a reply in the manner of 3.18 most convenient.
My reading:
10.23
